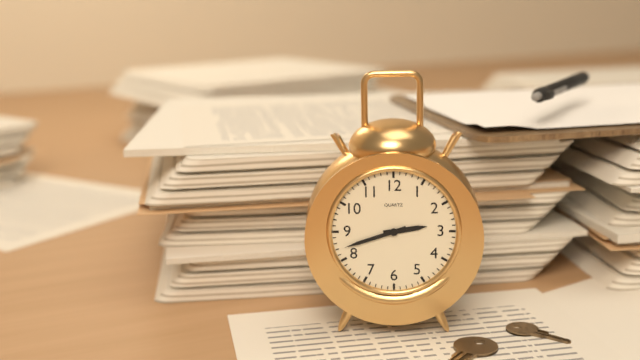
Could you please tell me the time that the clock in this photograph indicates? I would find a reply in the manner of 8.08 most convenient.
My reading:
2.42
